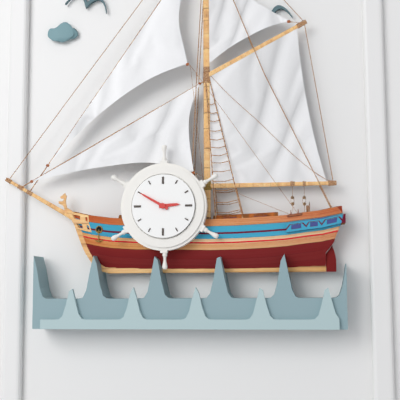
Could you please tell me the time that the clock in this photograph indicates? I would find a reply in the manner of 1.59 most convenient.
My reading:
2.50
